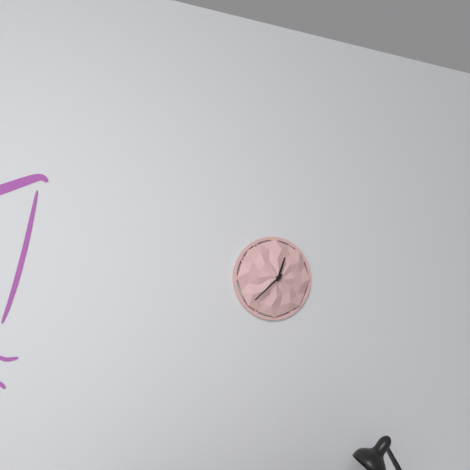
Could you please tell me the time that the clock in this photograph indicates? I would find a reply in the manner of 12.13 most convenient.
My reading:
12.38
